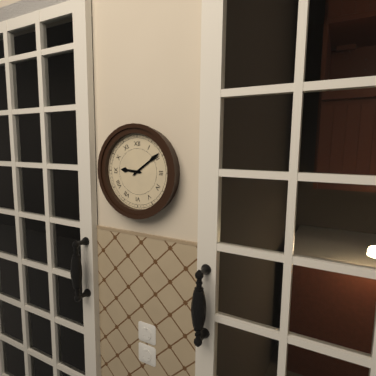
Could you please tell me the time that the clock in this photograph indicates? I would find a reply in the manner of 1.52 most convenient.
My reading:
9.09
